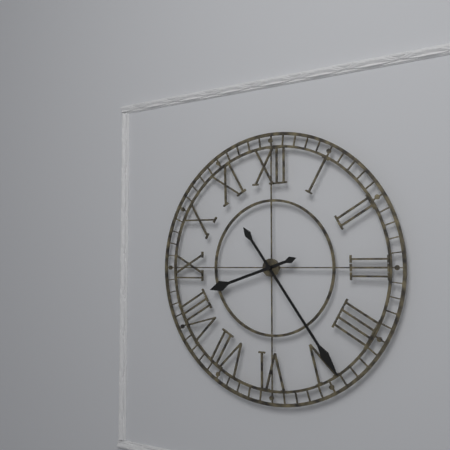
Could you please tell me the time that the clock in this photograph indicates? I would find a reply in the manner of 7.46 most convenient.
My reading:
8.24
